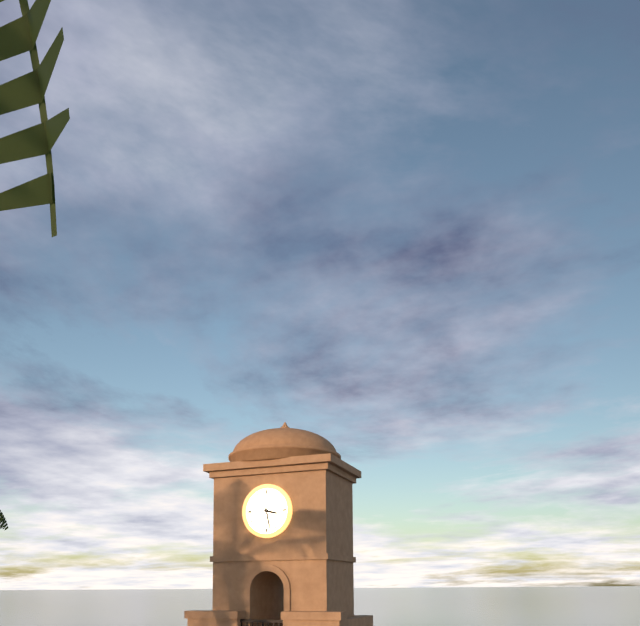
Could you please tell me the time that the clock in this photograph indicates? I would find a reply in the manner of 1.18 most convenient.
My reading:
3.28
